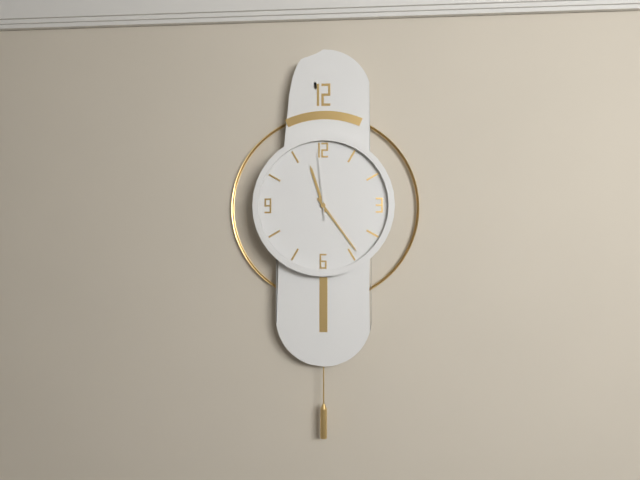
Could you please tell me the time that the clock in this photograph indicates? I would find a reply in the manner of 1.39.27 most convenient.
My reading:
11.24.59
